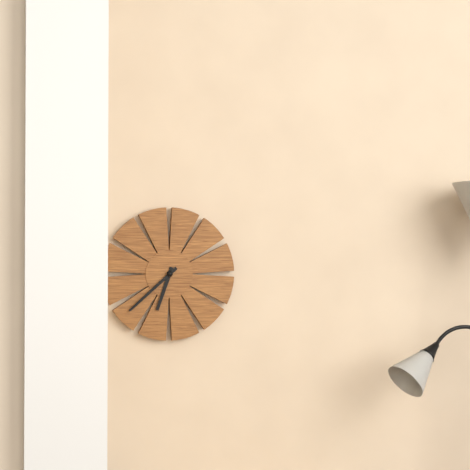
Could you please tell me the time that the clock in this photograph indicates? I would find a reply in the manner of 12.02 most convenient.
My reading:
6.38
